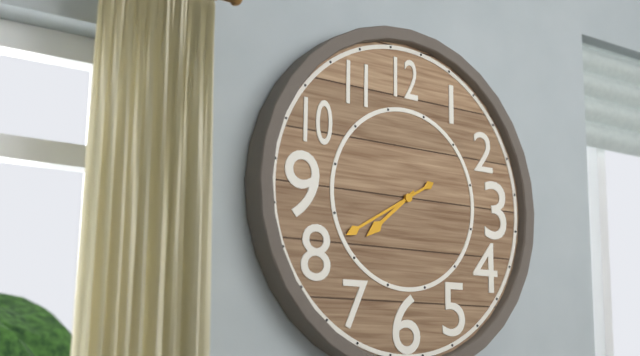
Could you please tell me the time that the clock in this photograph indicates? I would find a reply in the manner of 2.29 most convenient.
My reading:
7.40
